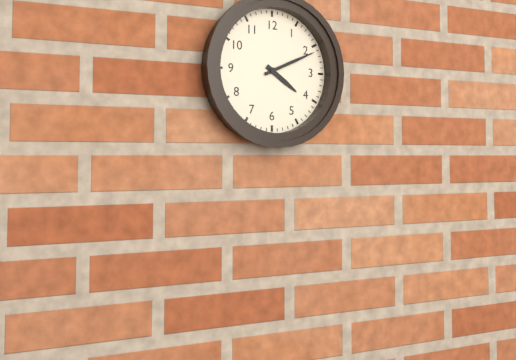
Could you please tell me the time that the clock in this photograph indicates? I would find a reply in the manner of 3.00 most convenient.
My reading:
4.11
